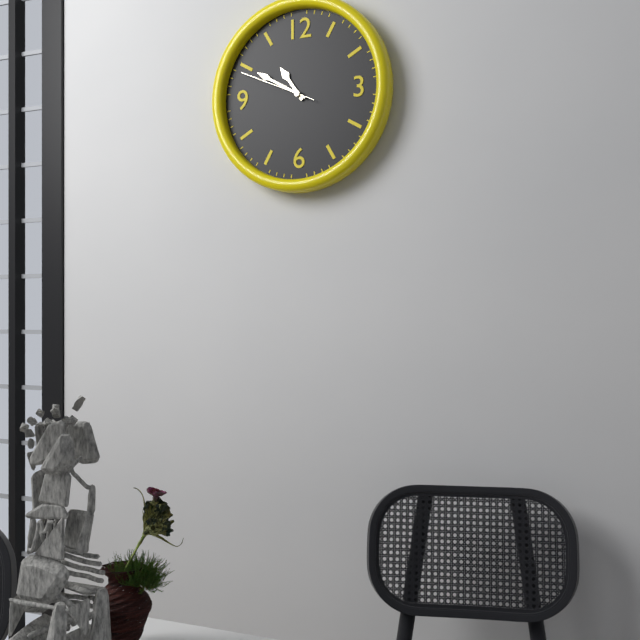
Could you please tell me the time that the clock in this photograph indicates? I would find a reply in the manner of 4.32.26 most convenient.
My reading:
10.50.49
